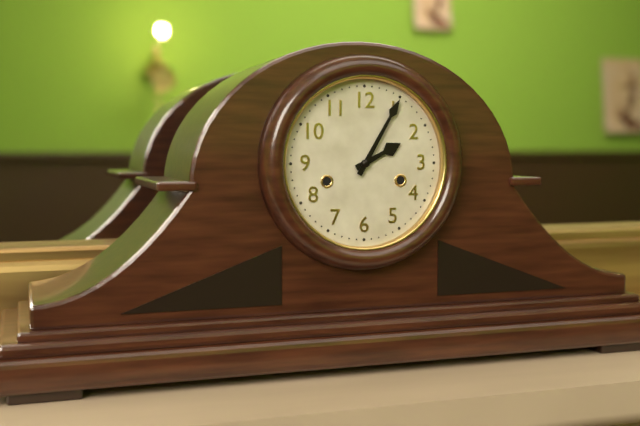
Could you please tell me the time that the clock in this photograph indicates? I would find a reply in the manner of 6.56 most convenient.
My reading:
2.05
